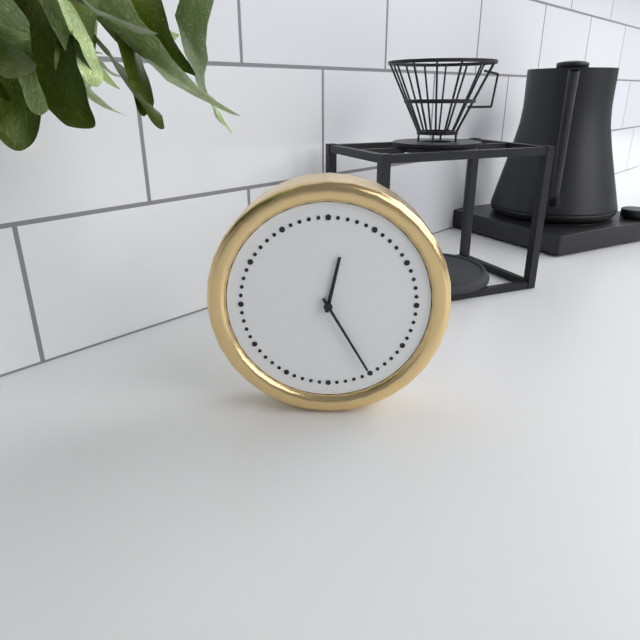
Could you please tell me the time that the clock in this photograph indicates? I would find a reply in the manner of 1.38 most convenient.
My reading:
12.25
